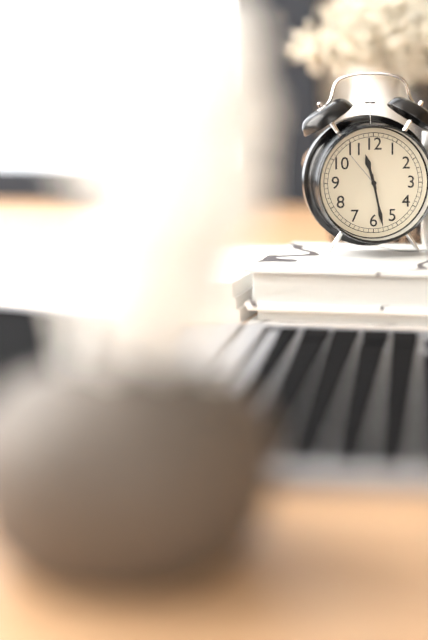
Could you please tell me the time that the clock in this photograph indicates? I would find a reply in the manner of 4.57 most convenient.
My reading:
11.28
